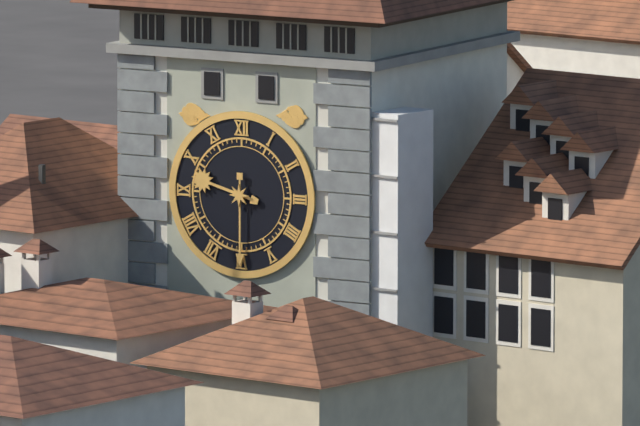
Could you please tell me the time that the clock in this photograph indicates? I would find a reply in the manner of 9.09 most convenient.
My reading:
9.30
